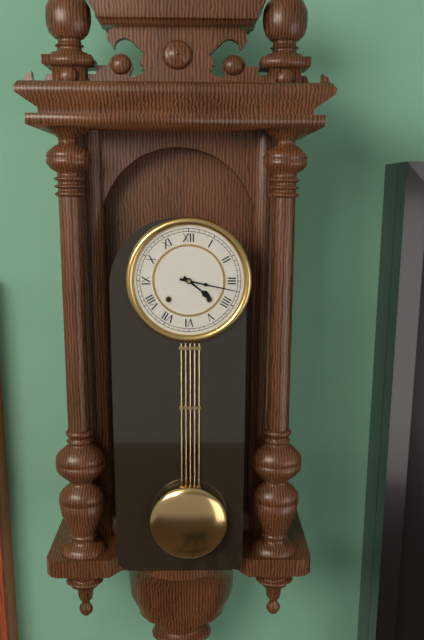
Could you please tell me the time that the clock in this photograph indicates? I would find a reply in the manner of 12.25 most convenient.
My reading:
4.17
